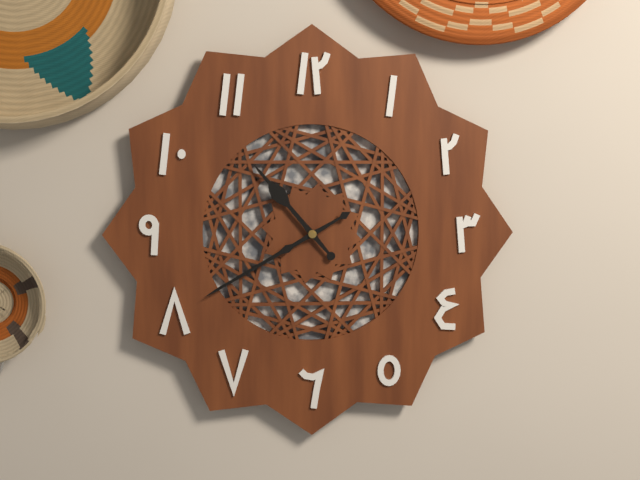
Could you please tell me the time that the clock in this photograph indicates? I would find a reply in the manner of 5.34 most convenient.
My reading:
10.40
